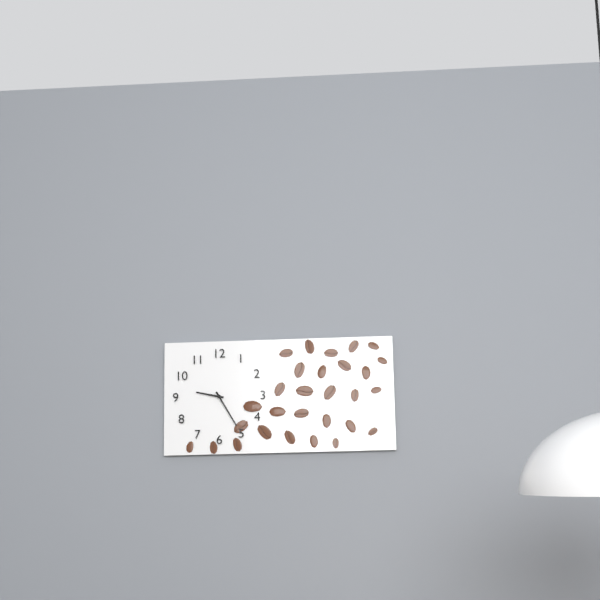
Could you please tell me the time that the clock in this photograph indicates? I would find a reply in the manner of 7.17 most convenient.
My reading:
9.25
